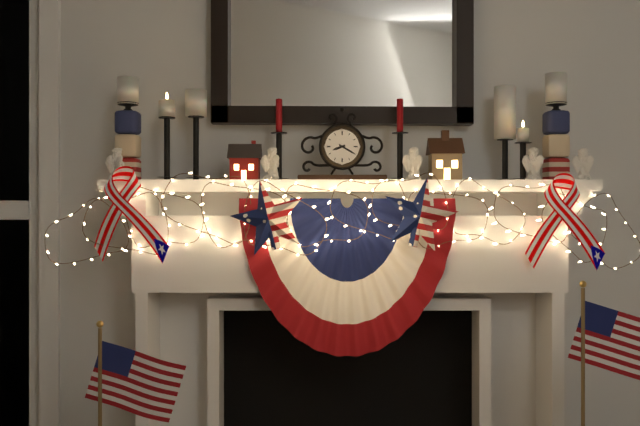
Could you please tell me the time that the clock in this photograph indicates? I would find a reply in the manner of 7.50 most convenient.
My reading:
8.20
